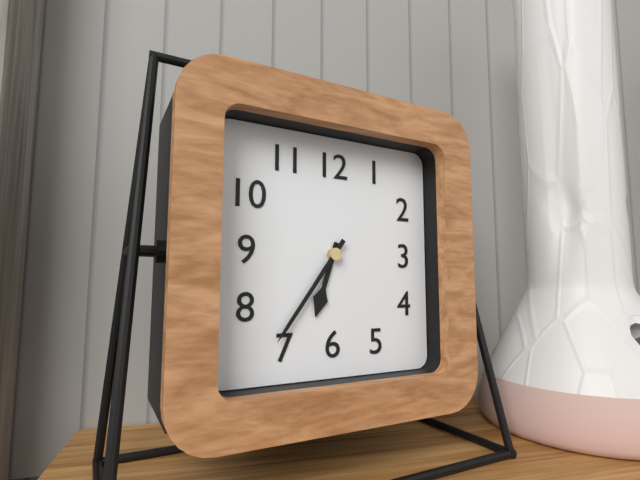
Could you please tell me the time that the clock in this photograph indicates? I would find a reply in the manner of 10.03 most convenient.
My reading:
6.36
